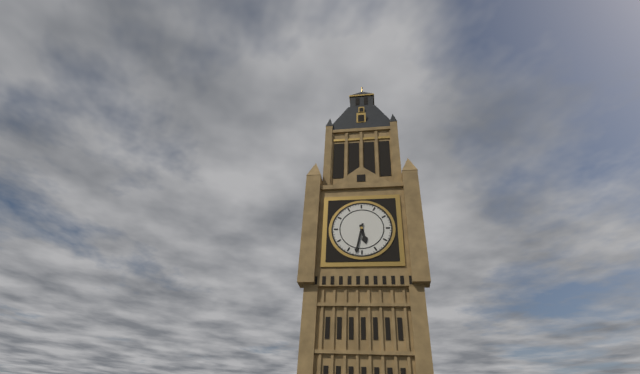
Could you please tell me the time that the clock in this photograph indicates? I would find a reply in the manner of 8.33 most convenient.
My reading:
5.32
